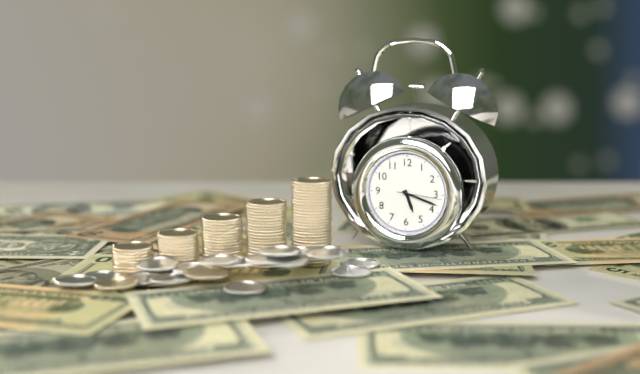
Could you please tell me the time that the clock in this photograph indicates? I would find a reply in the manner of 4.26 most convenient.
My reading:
5.18
